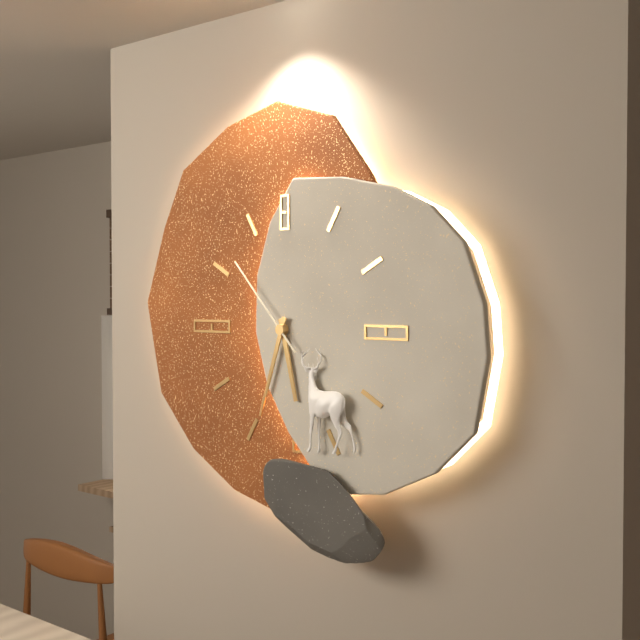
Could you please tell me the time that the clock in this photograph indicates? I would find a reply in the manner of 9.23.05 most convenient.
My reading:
5.33.53
